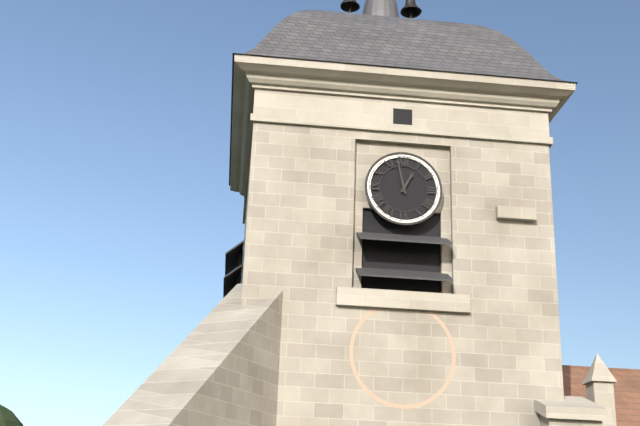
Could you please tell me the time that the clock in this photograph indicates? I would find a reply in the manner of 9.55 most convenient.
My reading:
12.58
